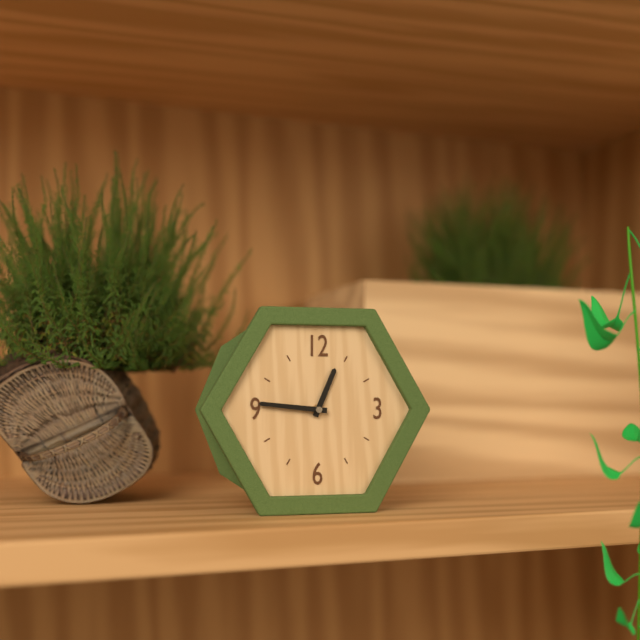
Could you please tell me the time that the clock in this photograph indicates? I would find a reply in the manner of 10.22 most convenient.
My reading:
12.46
